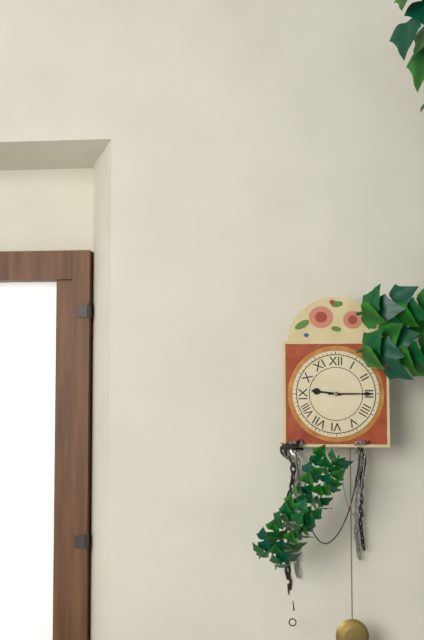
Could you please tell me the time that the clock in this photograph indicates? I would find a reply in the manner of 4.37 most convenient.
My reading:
9.15
